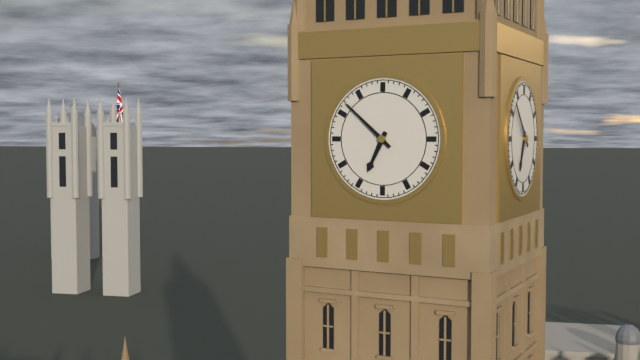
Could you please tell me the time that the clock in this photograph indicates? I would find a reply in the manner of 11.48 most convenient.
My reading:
6.52
